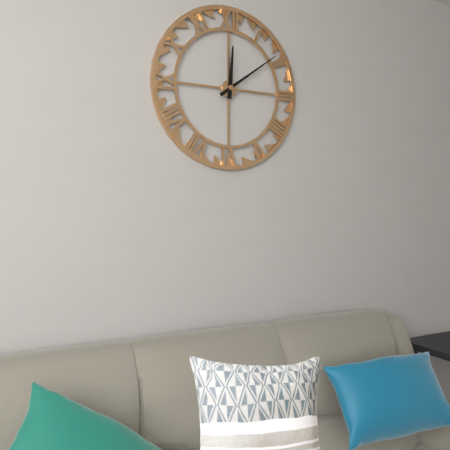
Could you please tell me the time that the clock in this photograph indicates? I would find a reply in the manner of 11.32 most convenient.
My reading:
12.09
